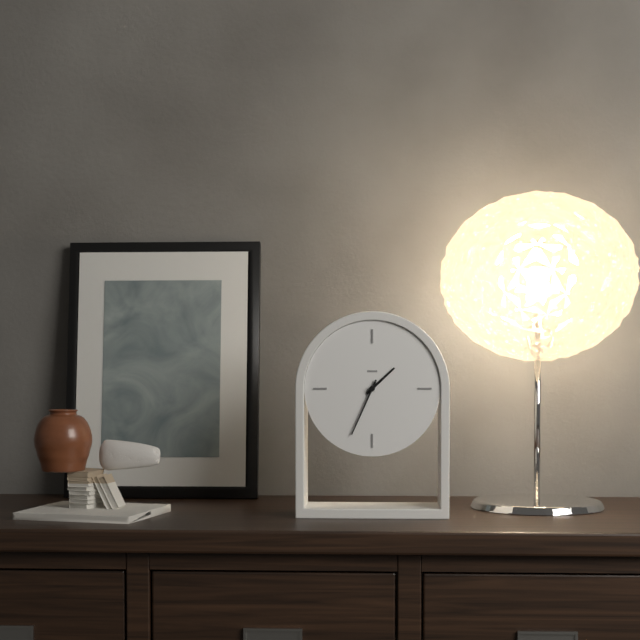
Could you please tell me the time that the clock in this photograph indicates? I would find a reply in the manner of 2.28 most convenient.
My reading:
1.34
